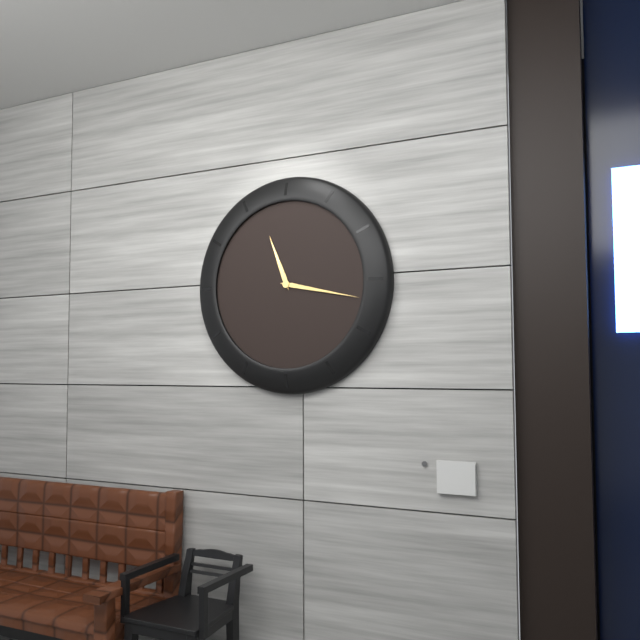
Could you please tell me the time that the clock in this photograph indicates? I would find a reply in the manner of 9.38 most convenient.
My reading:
11.17
